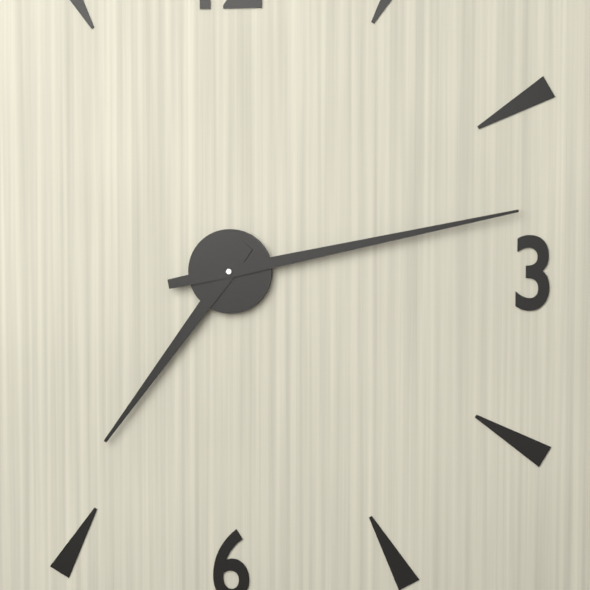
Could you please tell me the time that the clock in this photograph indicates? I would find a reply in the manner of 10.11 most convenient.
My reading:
7.13
